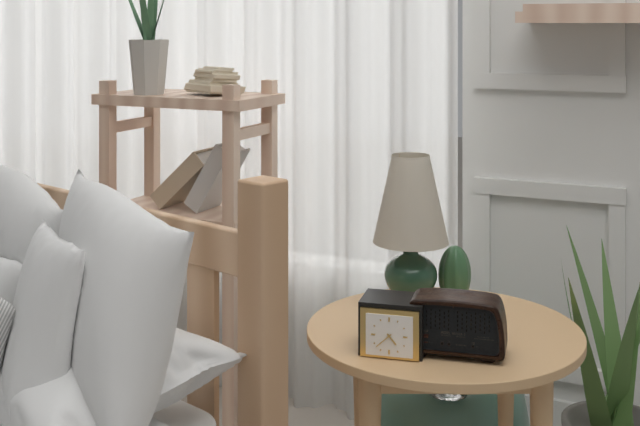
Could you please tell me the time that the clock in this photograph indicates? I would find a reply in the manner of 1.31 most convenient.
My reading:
4.38
